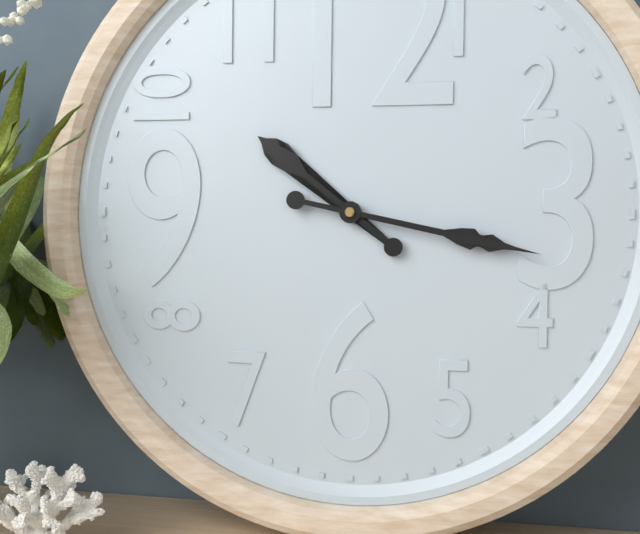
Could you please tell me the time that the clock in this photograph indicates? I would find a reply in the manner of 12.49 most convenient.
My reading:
10.17
